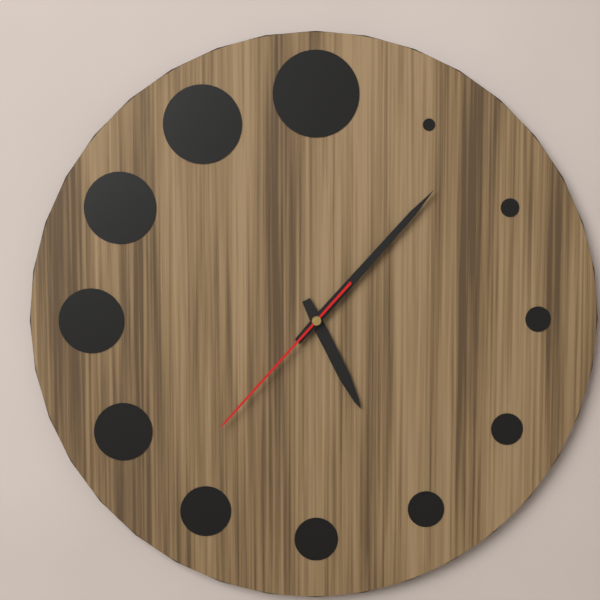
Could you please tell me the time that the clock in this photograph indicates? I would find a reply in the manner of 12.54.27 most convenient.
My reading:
5.07.37
